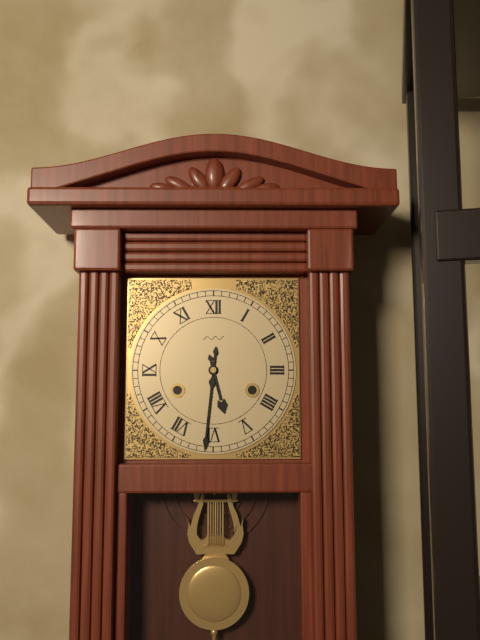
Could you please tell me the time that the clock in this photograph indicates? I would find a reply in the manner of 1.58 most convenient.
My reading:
5.31
